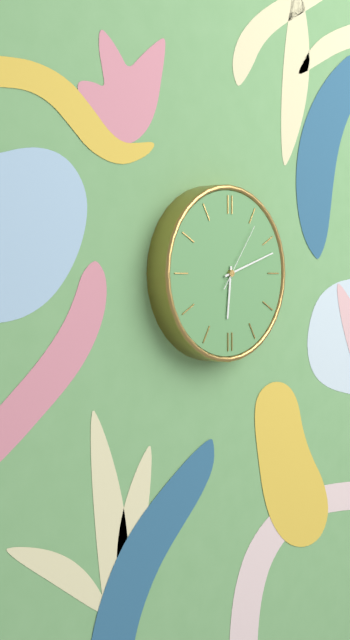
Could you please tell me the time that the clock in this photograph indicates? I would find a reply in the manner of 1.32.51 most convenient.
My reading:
6.12.06
